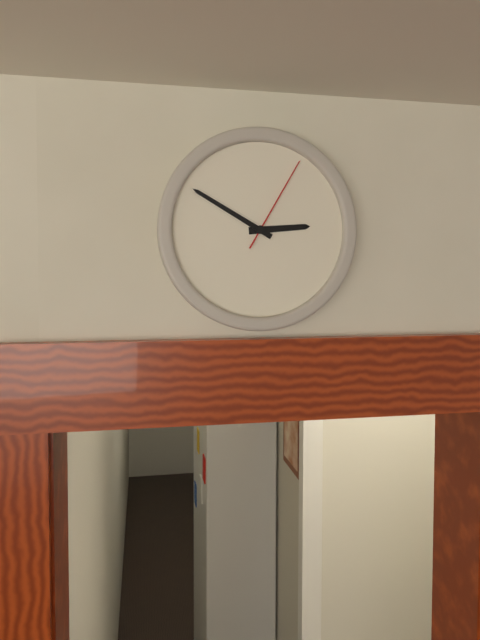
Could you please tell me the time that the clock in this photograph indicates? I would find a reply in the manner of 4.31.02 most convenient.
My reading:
2.50.05
